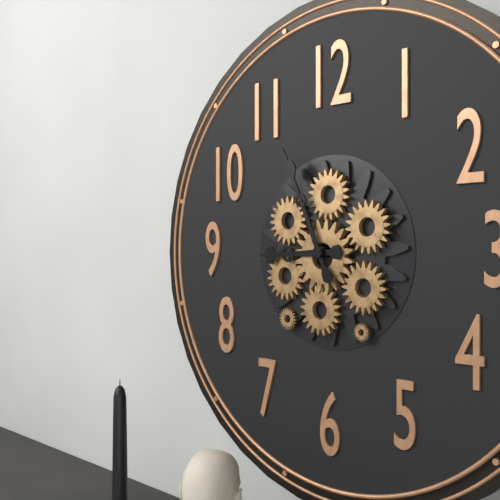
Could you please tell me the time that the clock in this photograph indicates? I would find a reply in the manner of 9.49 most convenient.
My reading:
8.56
